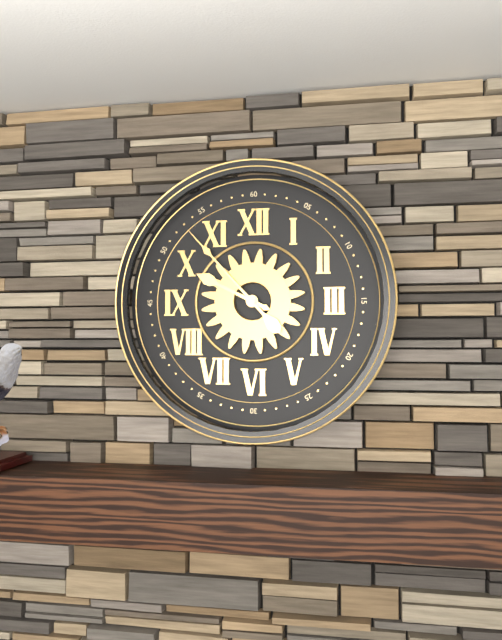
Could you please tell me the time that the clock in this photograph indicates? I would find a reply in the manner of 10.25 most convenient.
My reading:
9.53
